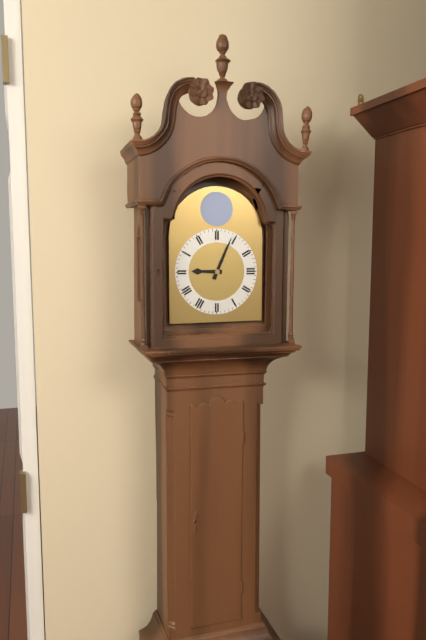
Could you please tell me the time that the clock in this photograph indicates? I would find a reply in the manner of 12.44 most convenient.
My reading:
9.04
